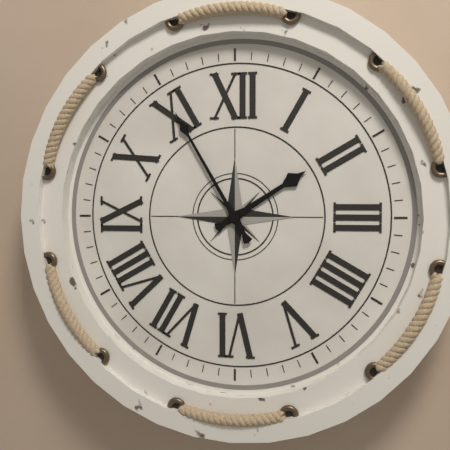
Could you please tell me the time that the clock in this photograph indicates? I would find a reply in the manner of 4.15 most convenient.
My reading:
1.55
